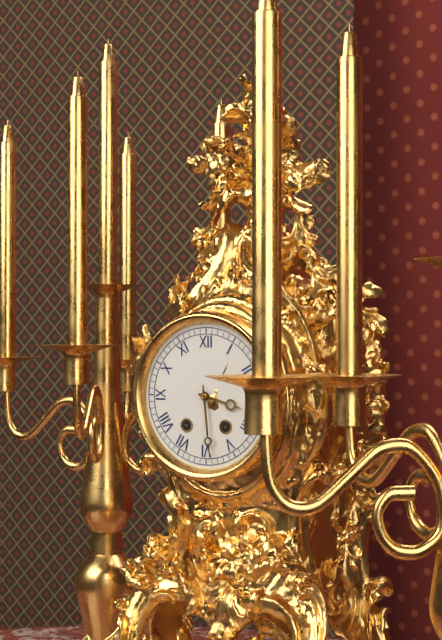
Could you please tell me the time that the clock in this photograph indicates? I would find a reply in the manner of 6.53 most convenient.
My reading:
3.29
